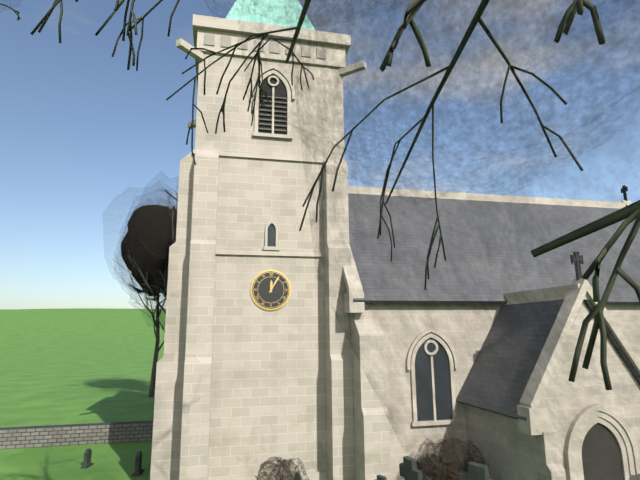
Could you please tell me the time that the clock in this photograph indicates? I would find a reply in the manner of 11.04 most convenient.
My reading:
12.05
